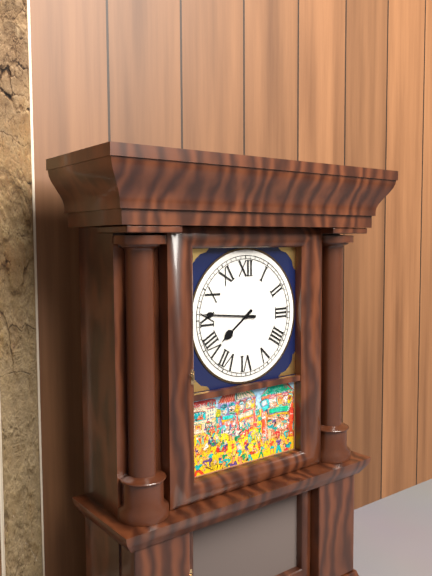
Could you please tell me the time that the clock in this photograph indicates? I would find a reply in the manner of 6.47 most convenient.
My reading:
7.46
